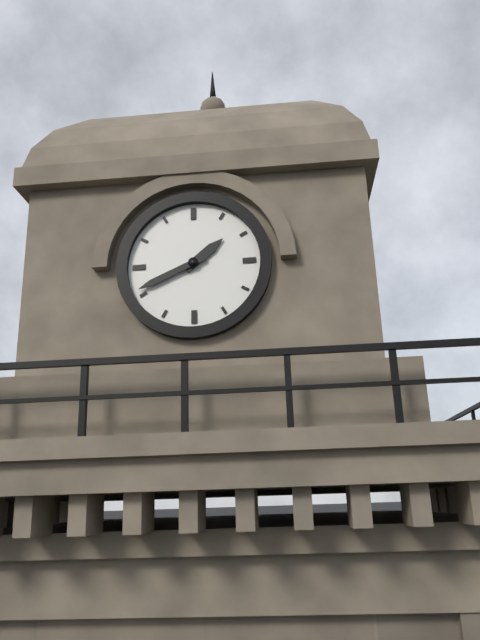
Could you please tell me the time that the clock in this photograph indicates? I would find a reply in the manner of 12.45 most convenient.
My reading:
1.41
